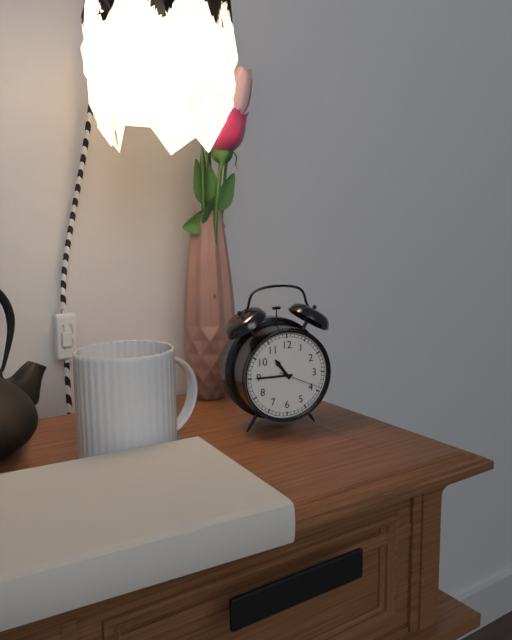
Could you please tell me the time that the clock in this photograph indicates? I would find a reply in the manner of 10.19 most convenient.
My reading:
10.45
